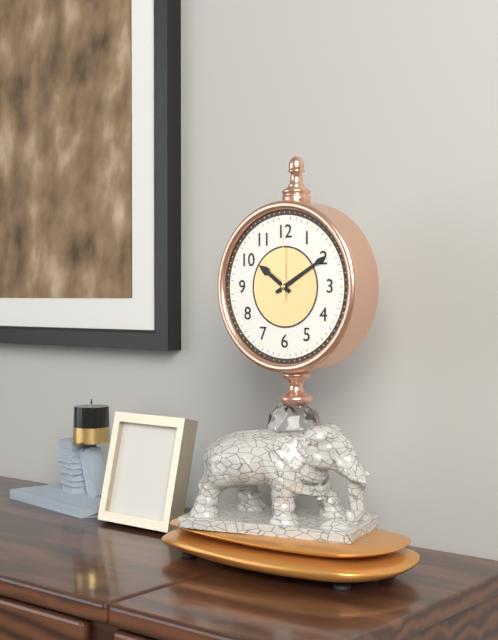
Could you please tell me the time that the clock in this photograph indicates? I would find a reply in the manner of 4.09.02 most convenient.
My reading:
10.10.00
